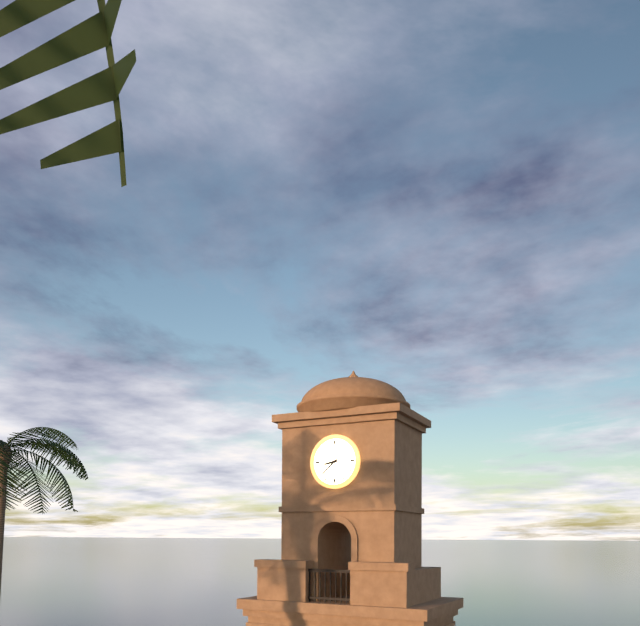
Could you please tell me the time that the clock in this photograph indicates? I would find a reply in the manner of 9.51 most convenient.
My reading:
8.38
